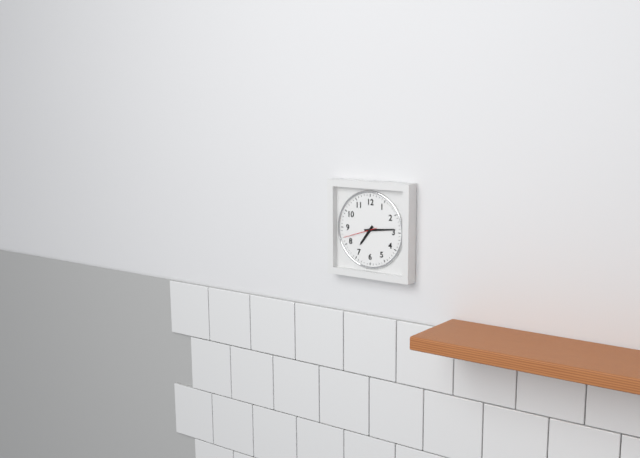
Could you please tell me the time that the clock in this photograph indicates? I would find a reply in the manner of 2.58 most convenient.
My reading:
7.14
